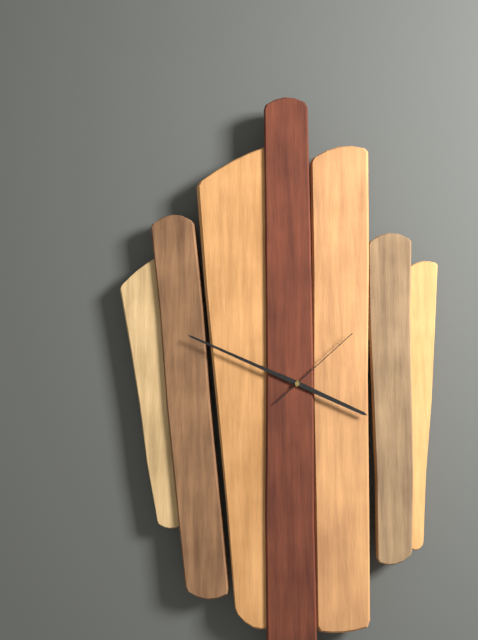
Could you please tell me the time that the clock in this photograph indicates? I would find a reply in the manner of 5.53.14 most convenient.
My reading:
3.49.08
